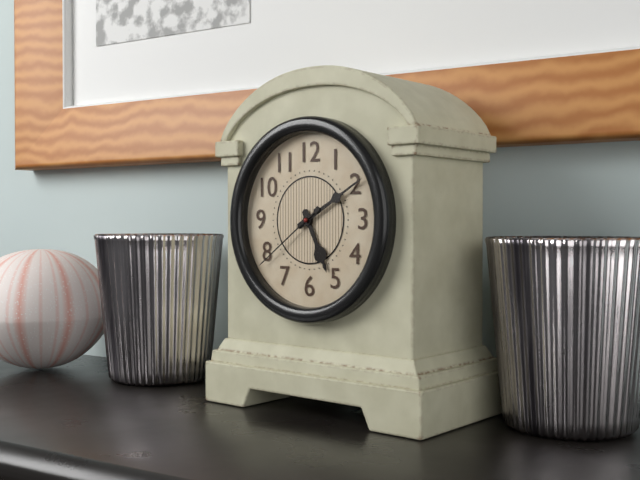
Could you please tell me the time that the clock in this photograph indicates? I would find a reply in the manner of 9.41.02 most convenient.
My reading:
5.10.39
